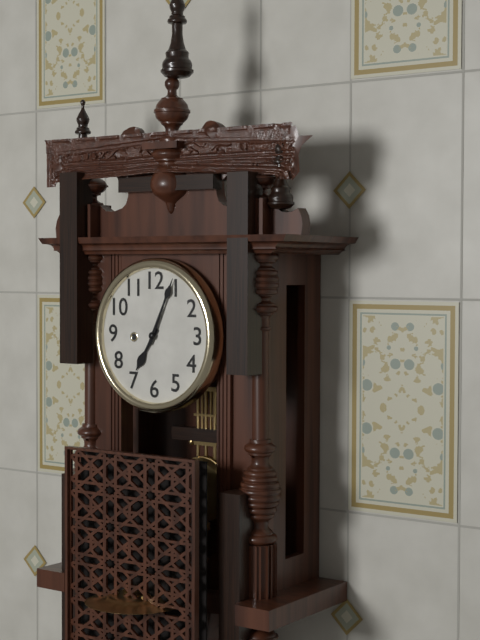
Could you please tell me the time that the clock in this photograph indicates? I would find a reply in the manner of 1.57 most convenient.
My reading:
7.04
